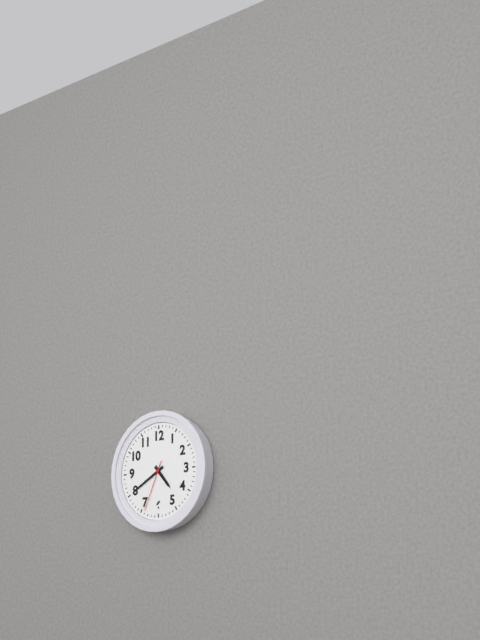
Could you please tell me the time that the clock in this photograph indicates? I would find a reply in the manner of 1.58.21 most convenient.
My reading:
4.40.34
